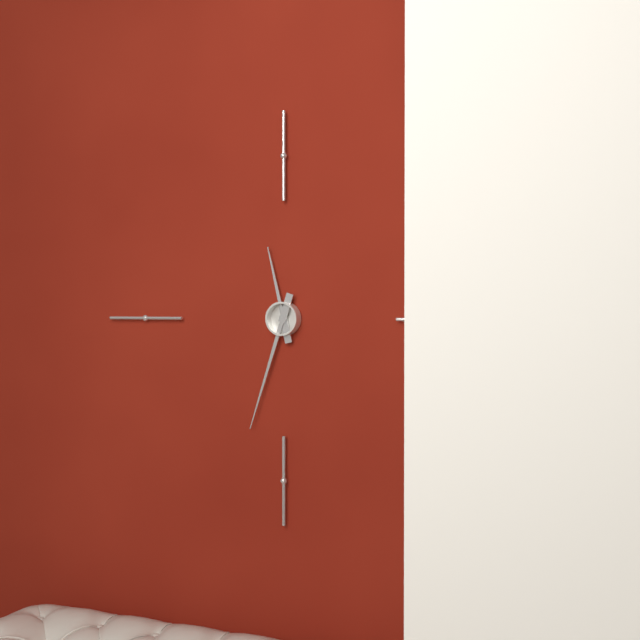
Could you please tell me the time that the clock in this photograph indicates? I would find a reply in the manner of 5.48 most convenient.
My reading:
11.33
